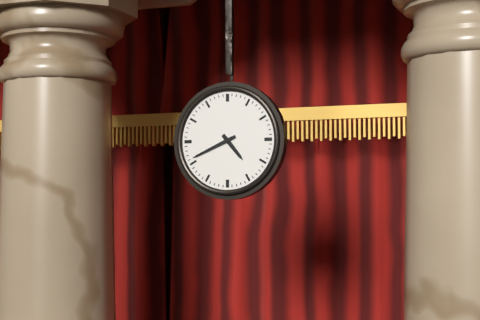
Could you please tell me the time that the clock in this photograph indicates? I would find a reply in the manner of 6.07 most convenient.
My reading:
4.41
